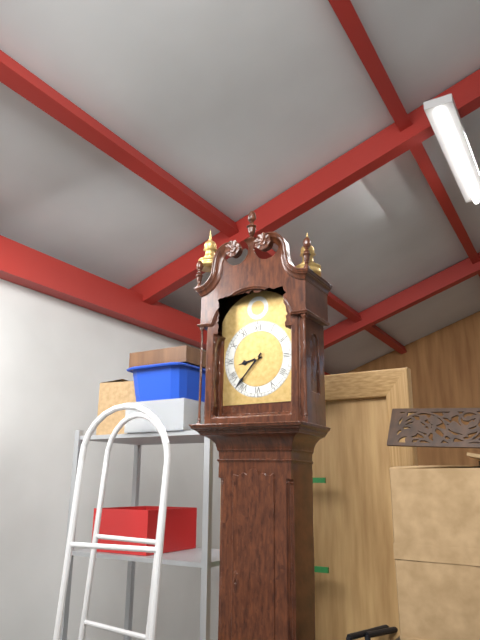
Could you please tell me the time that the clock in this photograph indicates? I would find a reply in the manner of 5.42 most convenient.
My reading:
8.37
